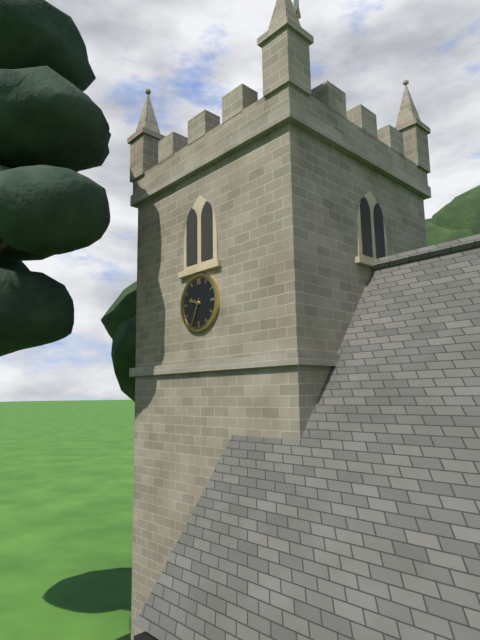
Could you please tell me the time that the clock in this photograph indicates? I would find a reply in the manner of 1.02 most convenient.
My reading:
9.34
